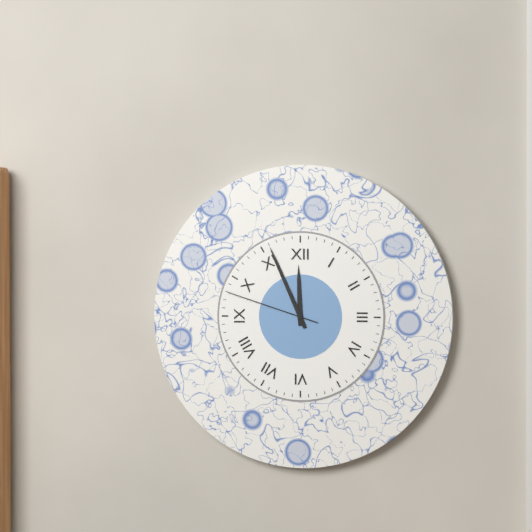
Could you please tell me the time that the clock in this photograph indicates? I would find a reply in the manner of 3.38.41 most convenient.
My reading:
11.56.48
